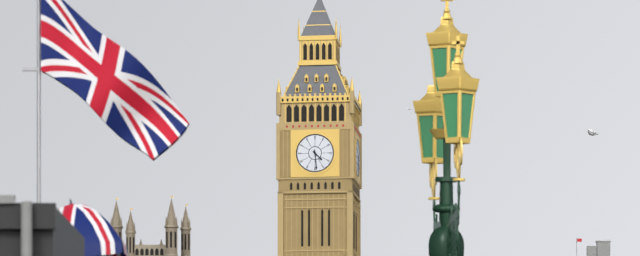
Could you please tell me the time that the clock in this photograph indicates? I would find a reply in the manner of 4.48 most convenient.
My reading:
4.29
